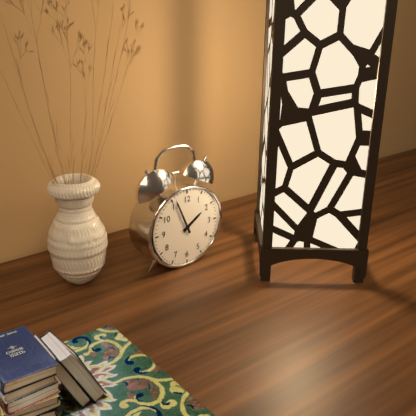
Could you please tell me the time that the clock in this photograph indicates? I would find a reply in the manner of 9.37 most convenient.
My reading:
1.56
